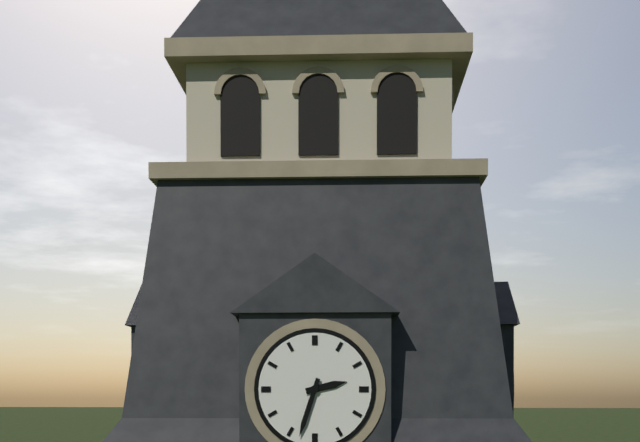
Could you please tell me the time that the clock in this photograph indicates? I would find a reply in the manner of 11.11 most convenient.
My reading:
2.33
